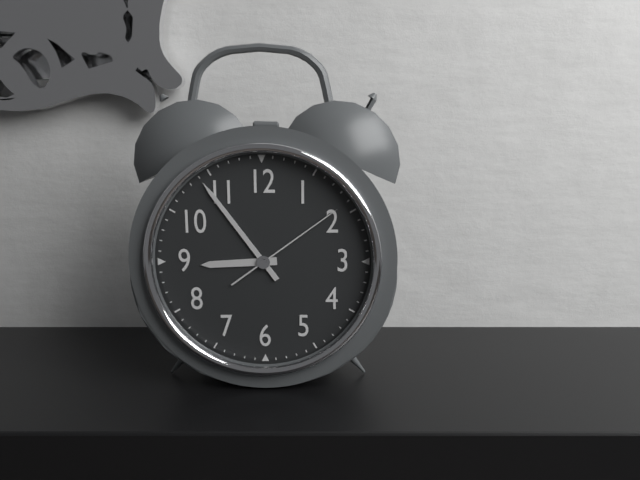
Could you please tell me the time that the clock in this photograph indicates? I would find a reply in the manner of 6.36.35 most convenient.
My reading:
8.54.09
